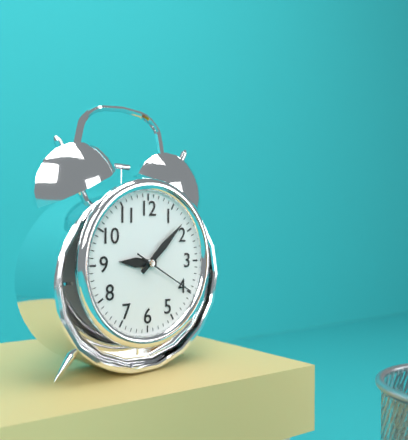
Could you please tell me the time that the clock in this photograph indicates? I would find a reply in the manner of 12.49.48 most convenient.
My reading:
9.08.20
